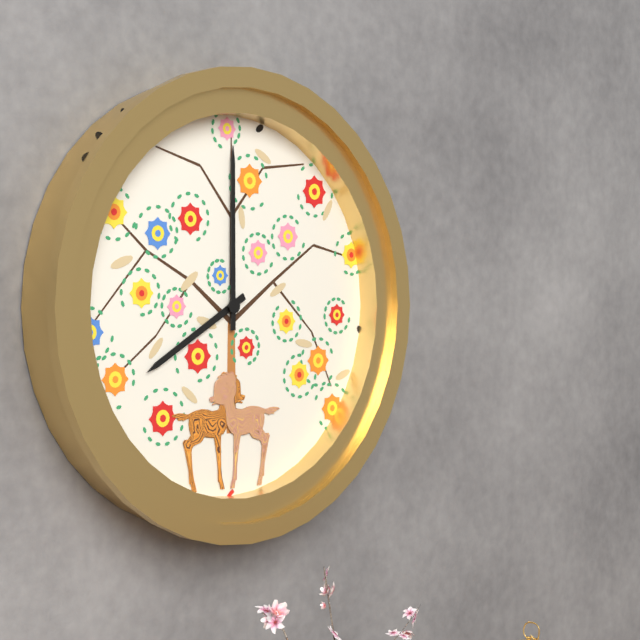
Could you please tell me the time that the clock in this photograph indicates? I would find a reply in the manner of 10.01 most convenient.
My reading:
8.00
